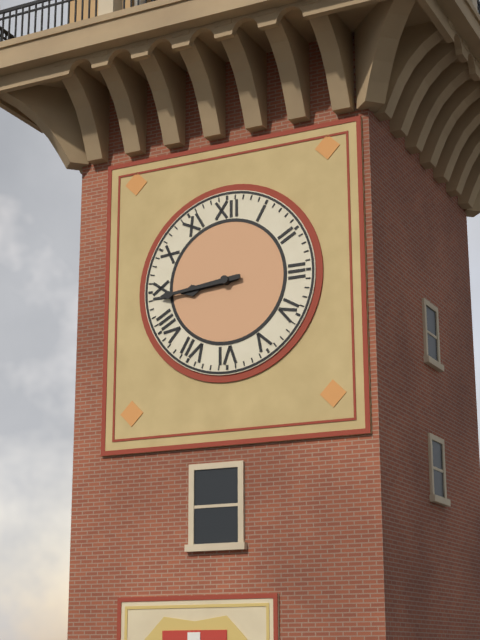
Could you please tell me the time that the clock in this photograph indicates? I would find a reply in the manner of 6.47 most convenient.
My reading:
8.44
